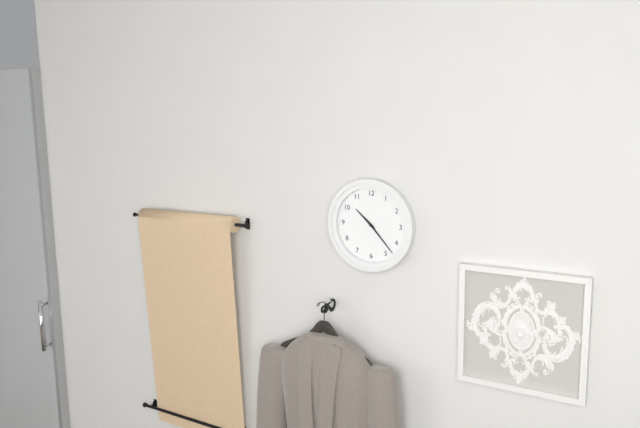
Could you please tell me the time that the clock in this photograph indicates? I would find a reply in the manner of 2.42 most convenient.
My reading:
10.23
